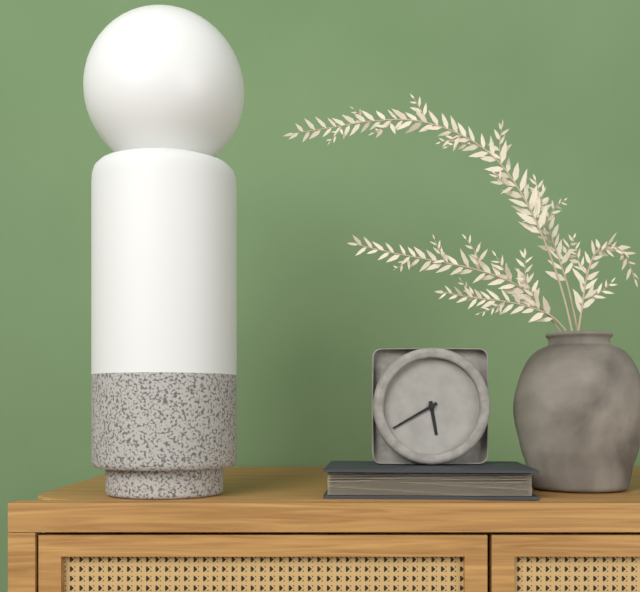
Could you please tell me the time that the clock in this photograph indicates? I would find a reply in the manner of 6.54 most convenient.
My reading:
5.40
